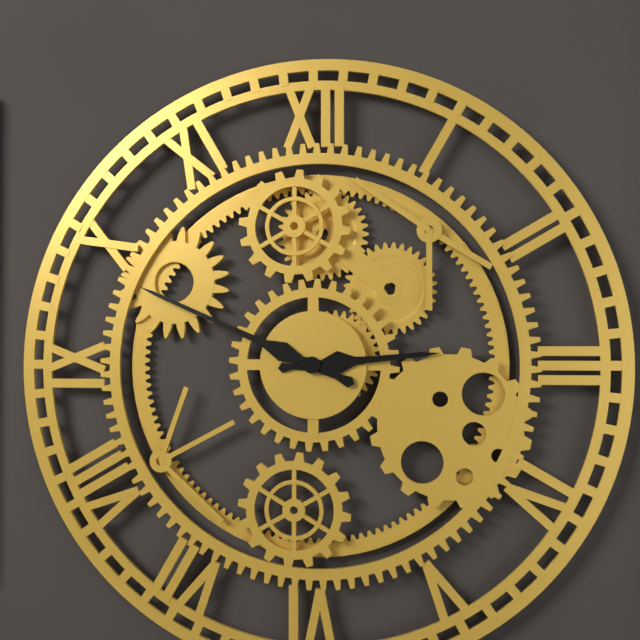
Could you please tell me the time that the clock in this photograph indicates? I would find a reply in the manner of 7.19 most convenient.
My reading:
2.49
